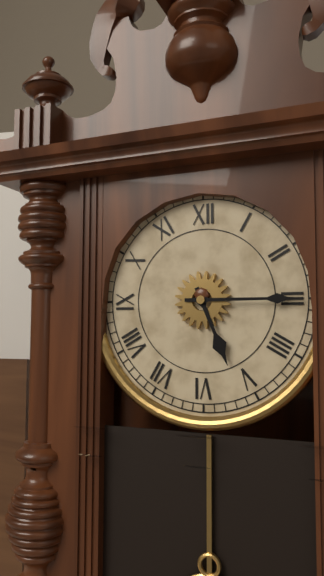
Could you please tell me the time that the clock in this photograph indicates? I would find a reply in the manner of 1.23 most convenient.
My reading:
5.15
